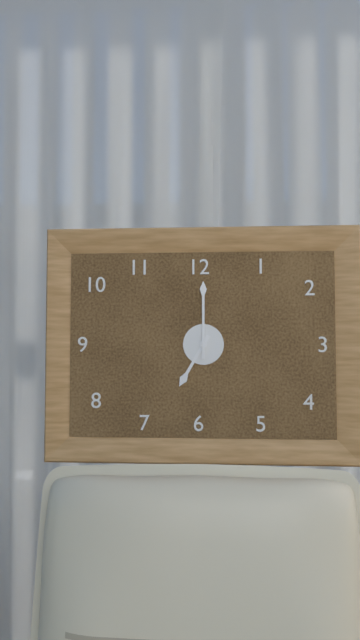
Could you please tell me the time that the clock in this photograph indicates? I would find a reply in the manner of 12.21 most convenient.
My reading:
7.00
